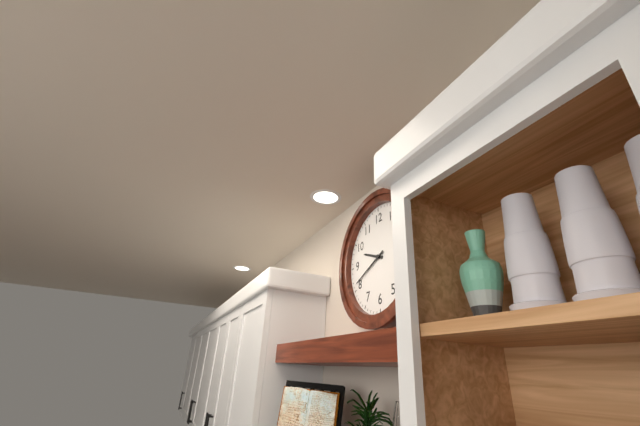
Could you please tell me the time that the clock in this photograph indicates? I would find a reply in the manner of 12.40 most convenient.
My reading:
9.41
